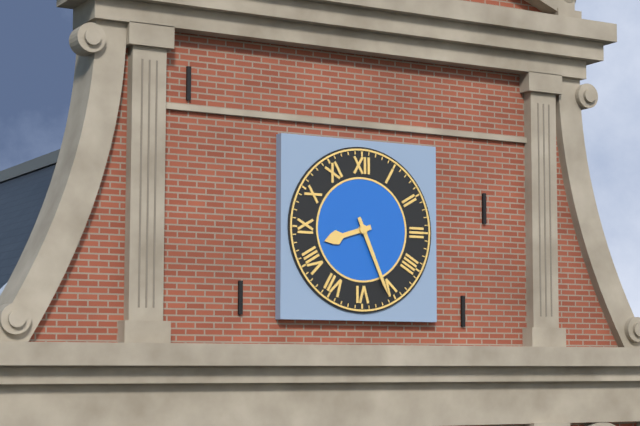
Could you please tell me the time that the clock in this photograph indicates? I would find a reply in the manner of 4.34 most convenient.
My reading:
8.26
